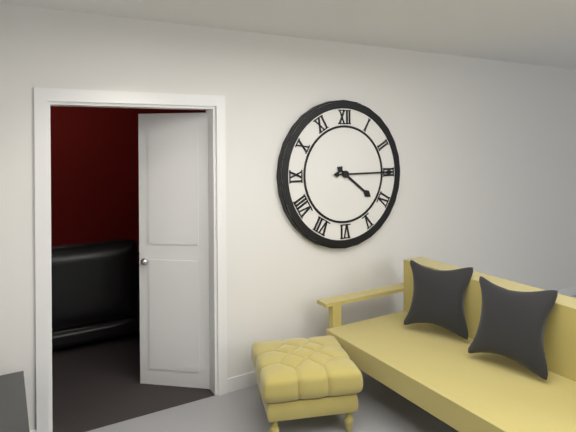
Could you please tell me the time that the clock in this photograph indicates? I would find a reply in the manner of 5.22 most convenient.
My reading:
4.15
